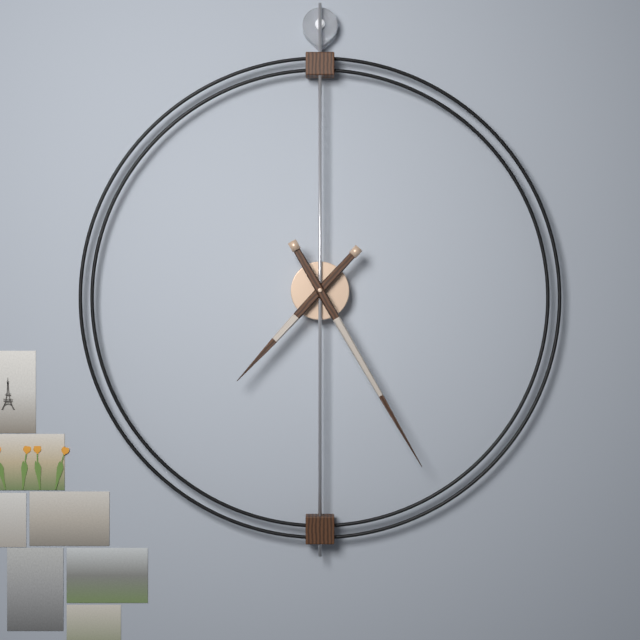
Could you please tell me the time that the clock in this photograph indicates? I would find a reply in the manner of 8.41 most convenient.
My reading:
7.25
